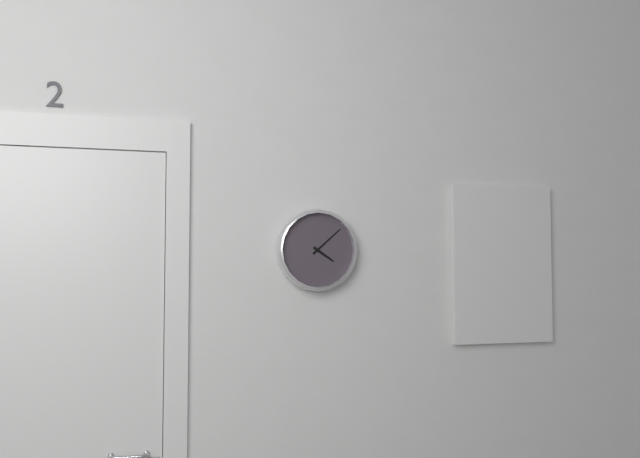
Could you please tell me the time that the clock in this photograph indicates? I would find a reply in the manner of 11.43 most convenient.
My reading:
4.08
